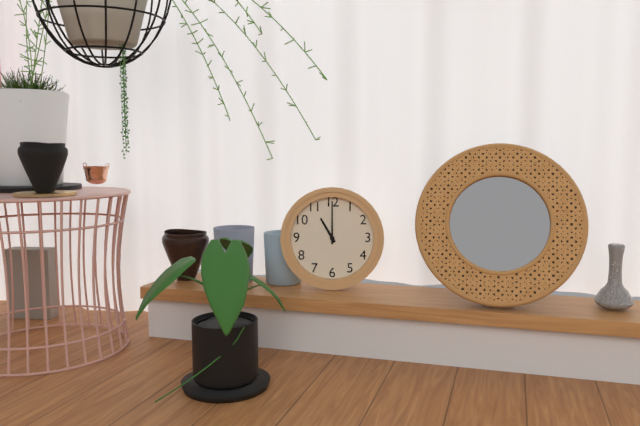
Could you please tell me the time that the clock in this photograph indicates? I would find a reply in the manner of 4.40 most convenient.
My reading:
11.00
